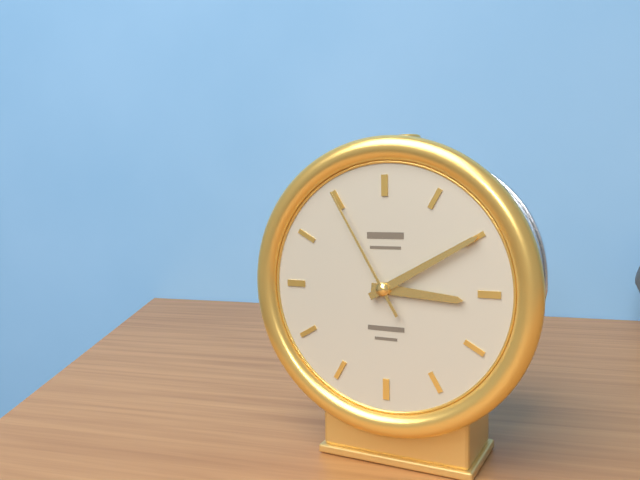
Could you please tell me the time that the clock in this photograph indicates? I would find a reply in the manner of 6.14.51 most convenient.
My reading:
3.10.55
